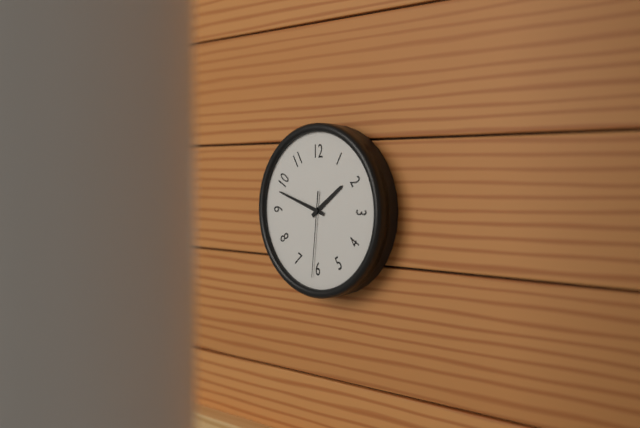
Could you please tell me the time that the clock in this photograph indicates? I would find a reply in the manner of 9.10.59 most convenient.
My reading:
1.48.31
